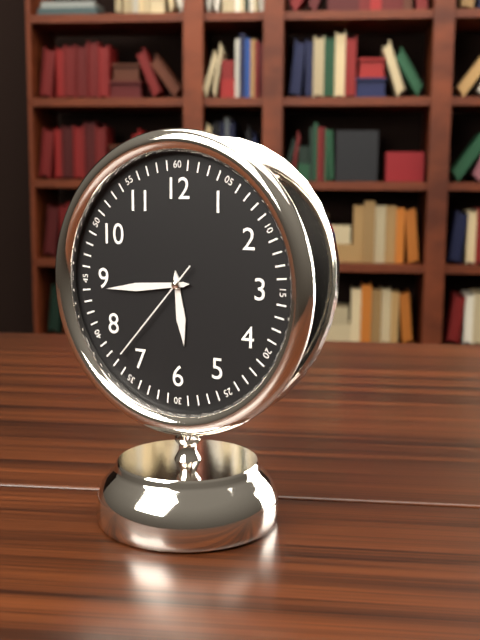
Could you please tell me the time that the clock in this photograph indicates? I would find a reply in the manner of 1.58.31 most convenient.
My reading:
5.44.37
